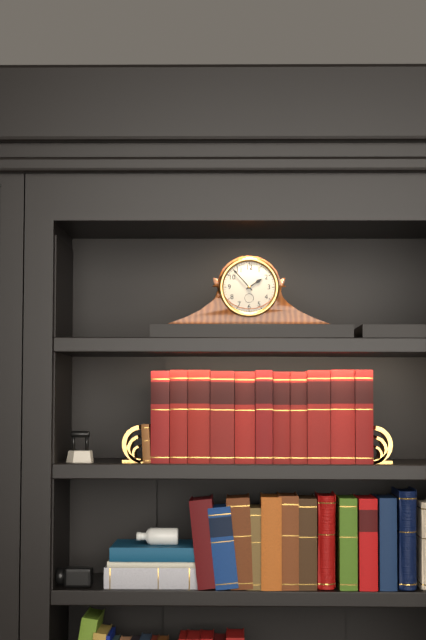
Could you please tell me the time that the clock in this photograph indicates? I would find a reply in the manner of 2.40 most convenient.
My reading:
1.53
